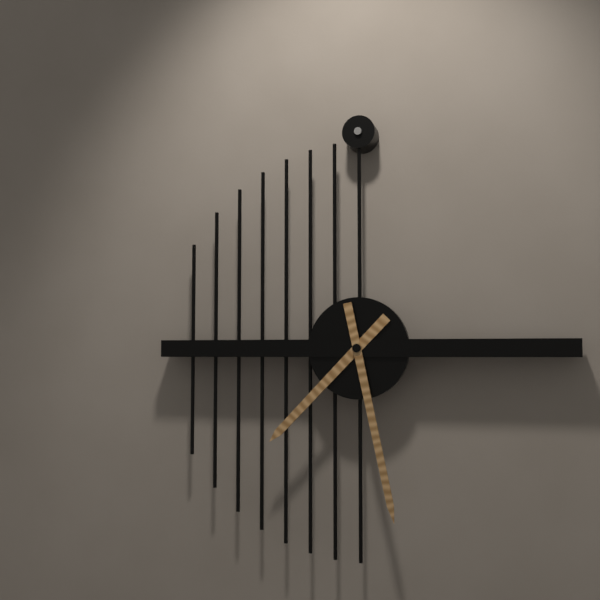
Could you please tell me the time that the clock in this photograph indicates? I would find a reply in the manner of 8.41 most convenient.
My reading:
7.28
